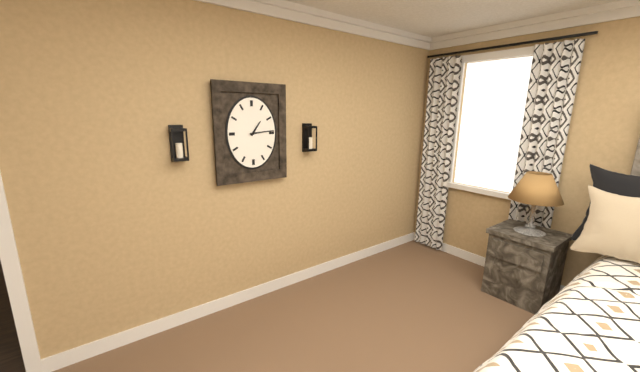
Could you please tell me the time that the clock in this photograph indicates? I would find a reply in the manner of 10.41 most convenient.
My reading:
1.14
